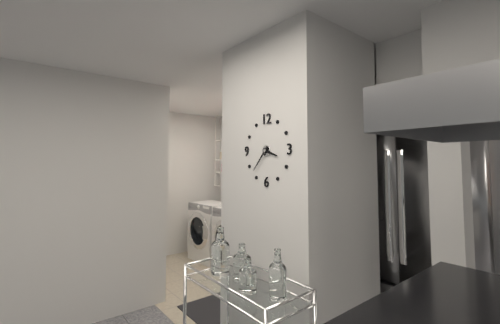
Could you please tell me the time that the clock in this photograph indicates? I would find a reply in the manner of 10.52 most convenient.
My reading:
3.37
